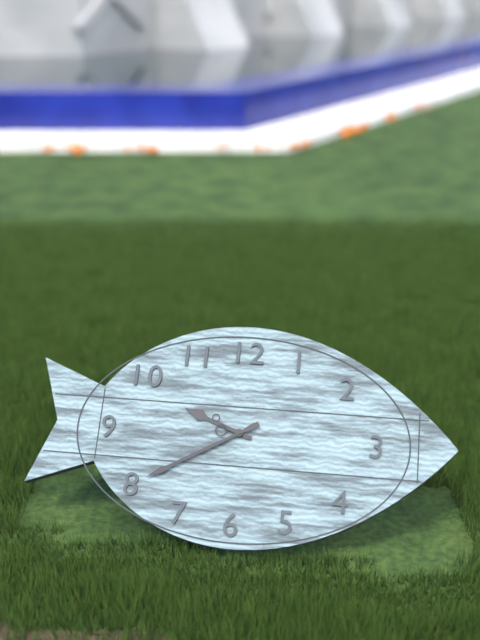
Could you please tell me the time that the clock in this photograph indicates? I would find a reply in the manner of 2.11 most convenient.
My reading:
9.40
